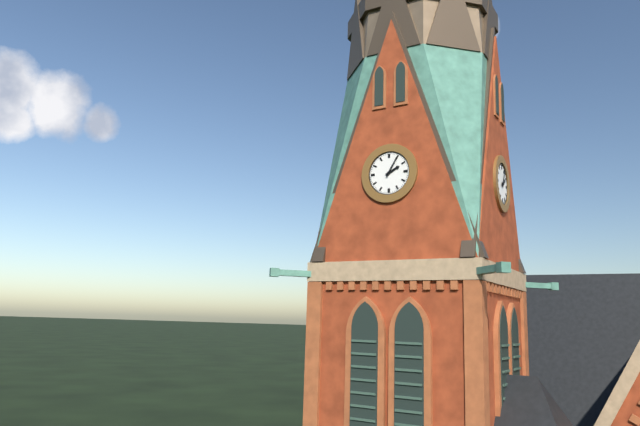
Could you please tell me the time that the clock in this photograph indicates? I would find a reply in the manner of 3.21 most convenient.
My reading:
2.05
